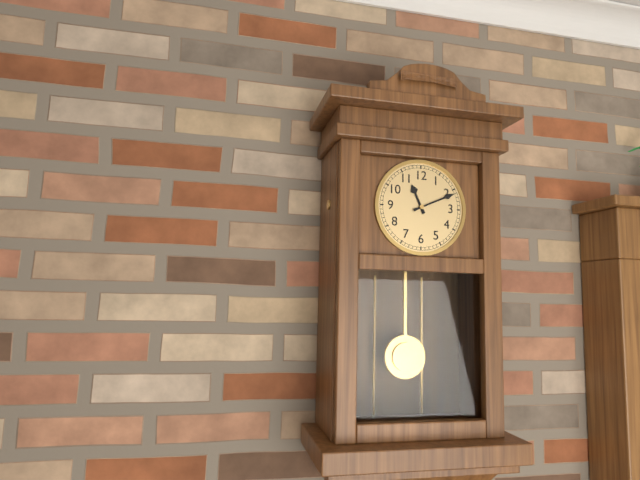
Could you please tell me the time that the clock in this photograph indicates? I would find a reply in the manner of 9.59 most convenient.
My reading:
11.11
